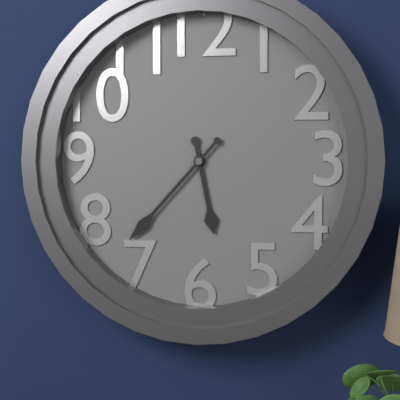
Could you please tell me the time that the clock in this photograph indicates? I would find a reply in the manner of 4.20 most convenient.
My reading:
5.37
